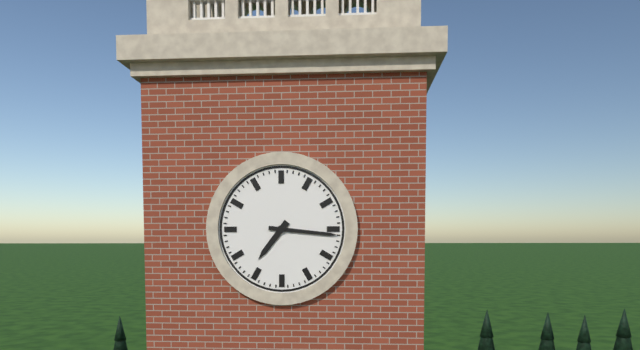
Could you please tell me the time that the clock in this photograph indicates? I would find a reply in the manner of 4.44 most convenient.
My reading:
7.16
